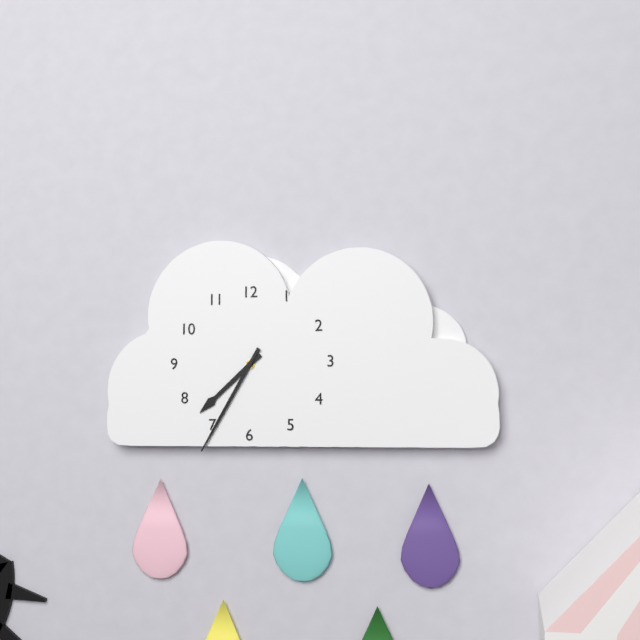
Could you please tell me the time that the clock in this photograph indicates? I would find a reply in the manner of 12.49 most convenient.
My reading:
7.35
